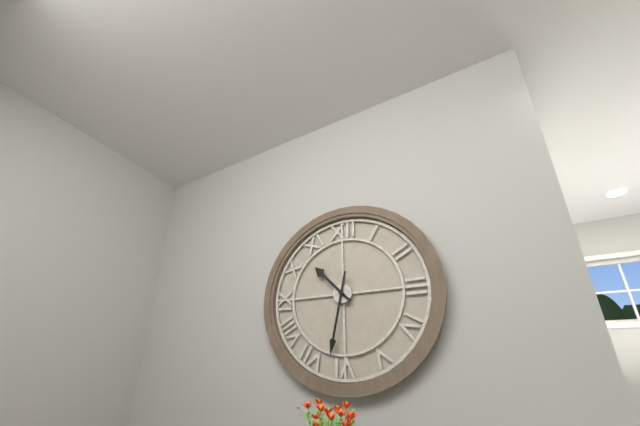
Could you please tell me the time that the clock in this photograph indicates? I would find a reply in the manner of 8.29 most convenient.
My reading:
10.32
